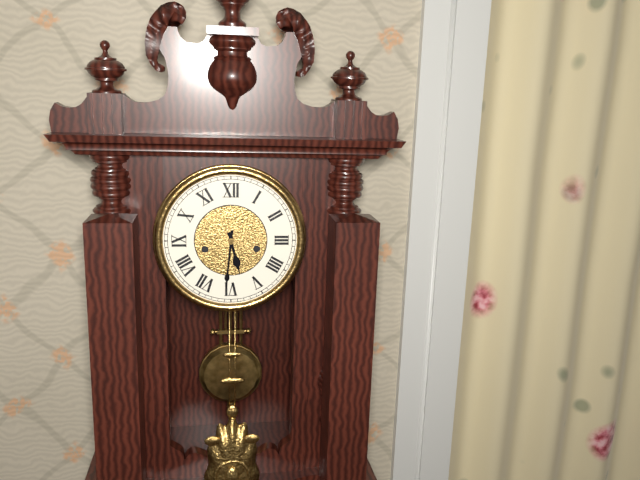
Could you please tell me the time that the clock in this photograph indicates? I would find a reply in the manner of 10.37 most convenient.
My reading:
5.31
